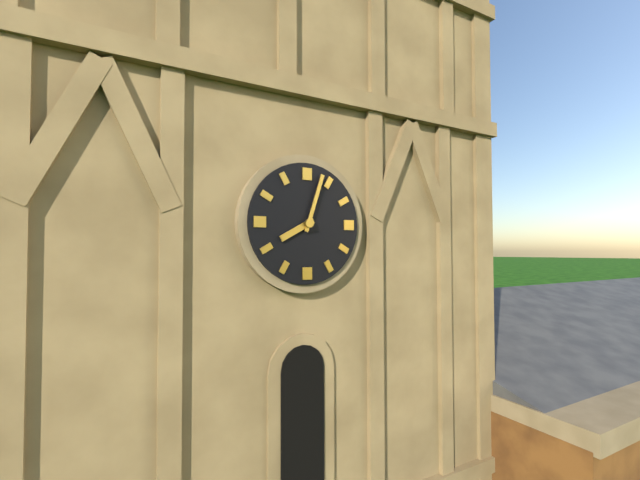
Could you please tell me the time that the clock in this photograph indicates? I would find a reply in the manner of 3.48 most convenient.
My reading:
8.03
